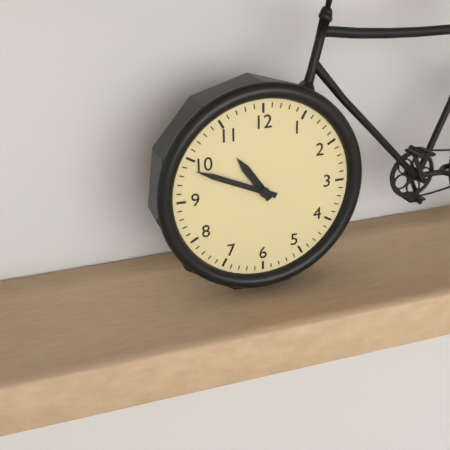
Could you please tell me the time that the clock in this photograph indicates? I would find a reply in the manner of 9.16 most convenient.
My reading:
10.49
